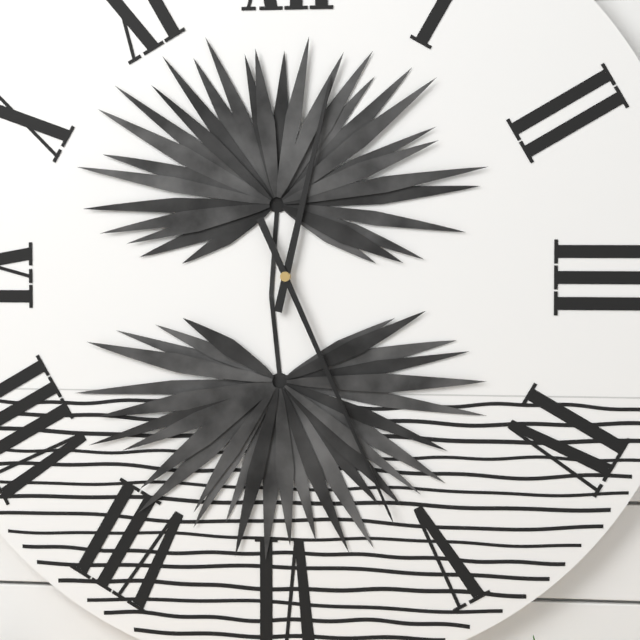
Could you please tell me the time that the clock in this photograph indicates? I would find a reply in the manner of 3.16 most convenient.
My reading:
12.26
